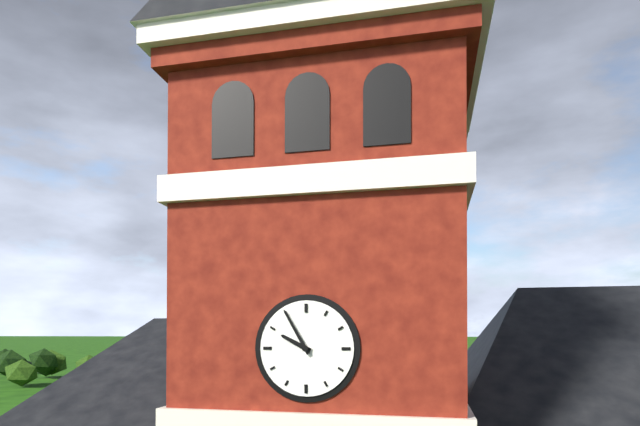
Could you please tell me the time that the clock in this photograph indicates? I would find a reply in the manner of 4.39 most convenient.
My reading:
9.55
